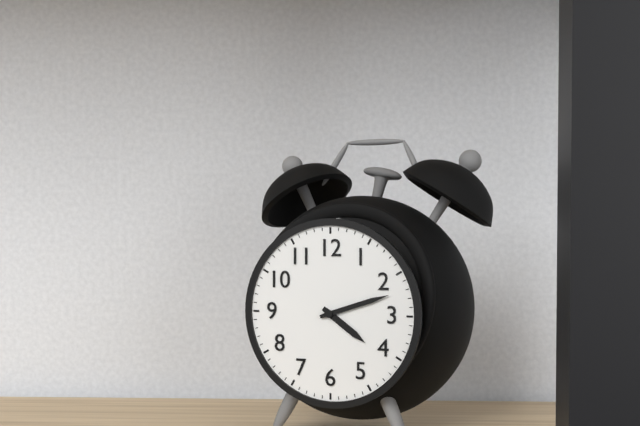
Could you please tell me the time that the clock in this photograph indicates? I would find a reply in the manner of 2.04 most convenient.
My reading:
4.12
